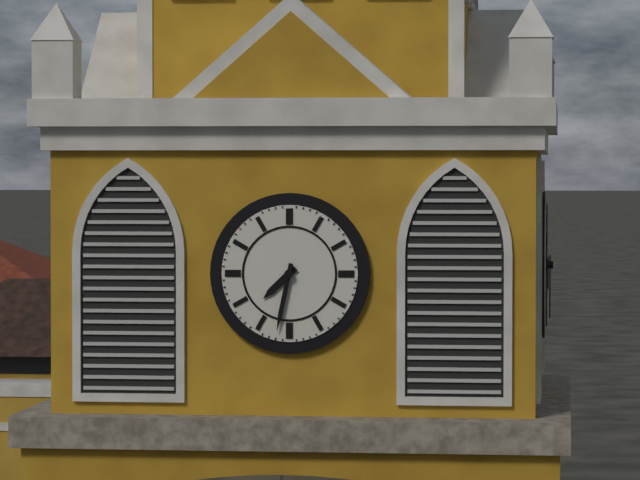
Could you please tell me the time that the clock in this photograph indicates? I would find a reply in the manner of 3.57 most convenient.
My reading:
7.32
